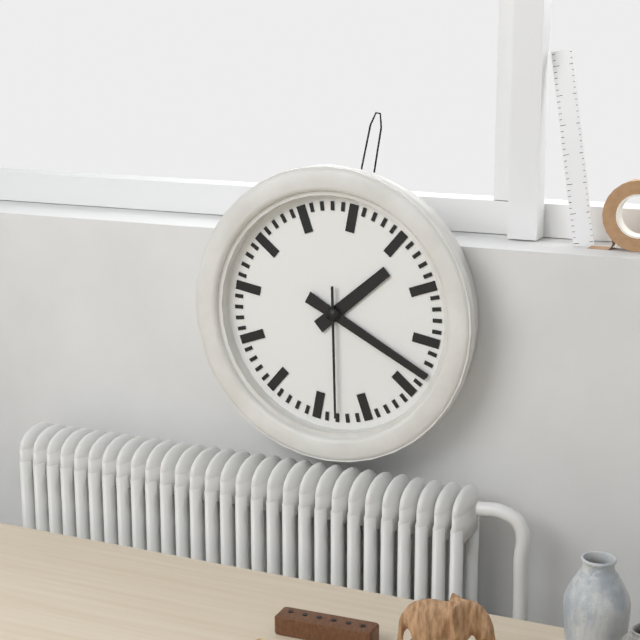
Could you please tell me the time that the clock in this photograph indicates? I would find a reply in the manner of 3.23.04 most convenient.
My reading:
1.18.28
